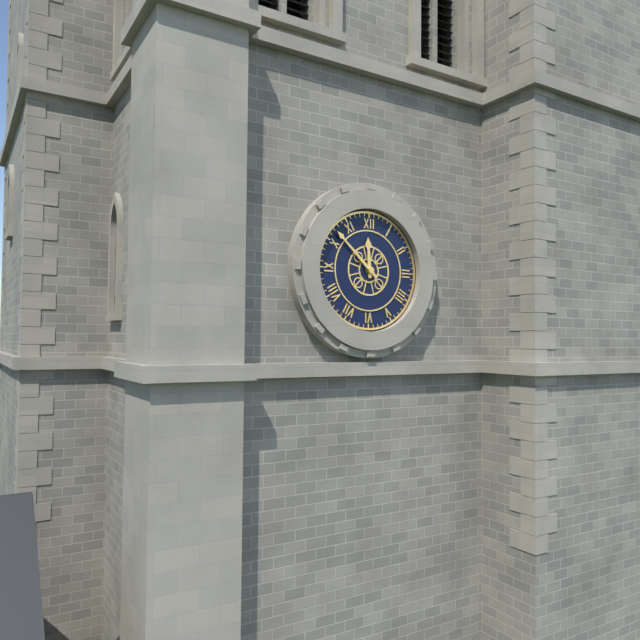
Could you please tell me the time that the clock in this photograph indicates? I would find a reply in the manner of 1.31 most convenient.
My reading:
11.52
